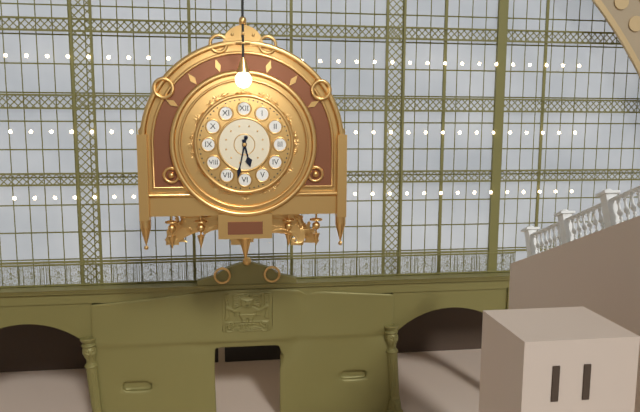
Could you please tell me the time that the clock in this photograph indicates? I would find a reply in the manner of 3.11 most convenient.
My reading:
5.32
